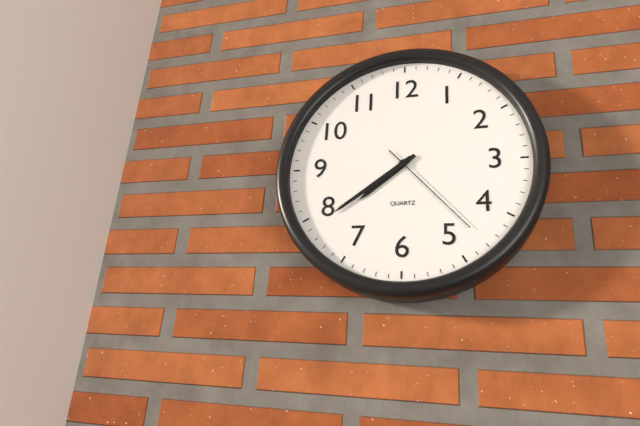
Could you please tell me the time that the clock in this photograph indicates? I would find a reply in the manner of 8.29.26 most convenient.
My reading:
7.39.23
